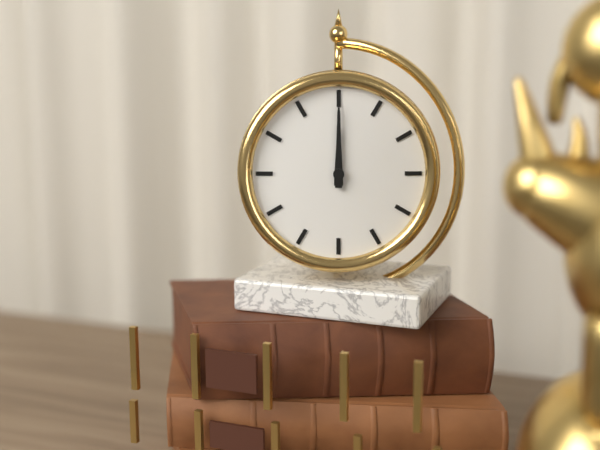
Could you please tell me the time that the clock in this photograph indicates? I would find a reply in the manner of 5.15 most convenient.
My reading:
12.00
